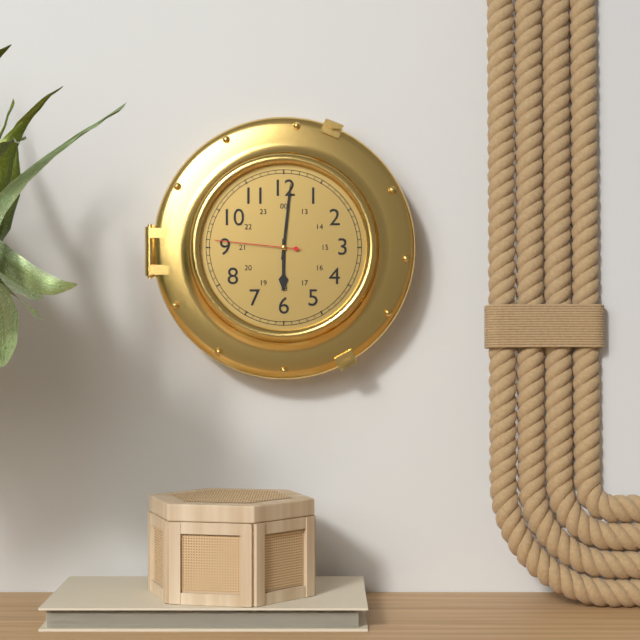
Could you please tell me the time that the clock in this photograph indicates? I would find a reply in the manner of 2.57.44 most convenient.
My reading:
6.01.46
